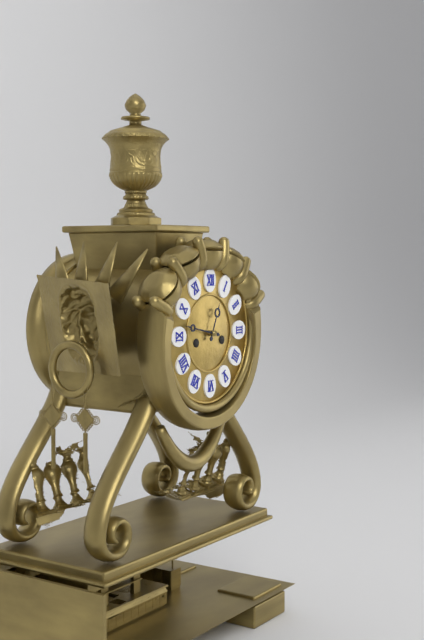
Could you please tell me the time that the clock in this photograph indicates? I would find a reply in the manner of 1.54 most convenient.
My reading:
12.47
